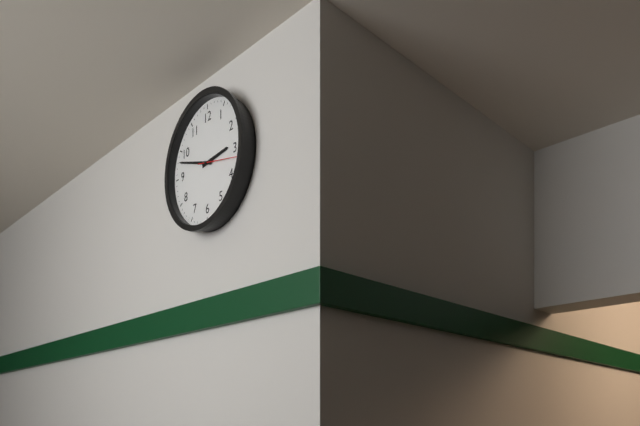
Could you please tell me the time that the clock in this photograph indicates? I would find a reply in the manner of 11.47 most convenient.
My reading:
2.48
